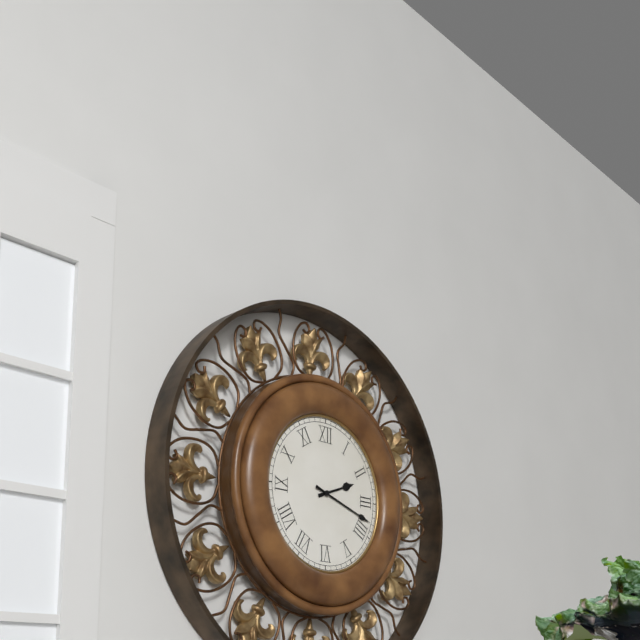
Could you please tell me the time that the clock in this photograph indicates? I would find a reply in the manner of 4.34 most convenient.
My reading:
2.18
